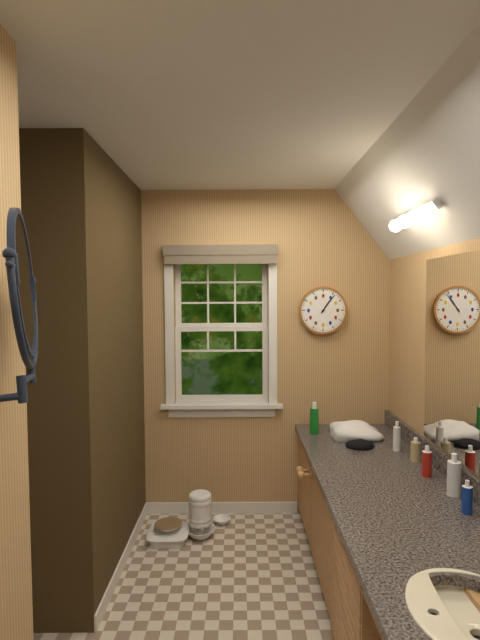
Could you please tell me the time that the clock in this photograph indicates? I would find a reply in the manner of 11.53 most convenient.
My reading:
1.06
